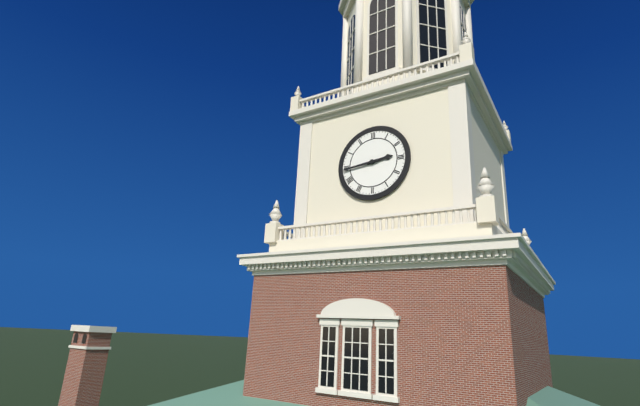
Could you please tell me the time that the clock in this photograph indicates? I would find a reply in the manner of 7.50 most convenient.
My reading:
2.44
